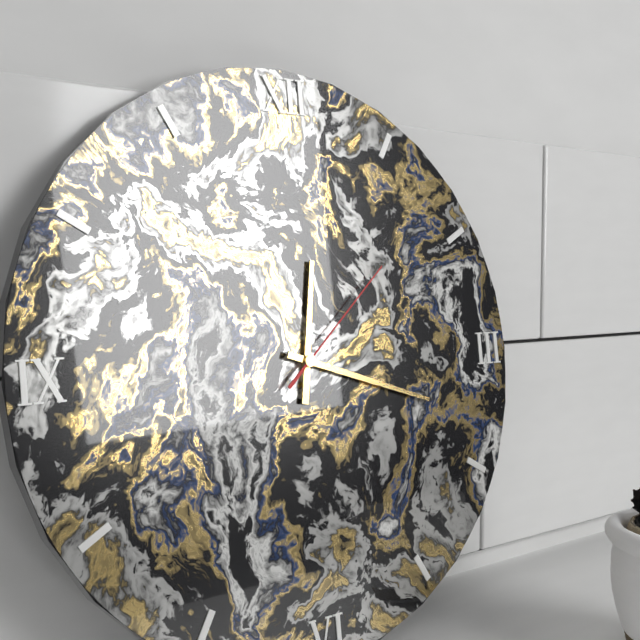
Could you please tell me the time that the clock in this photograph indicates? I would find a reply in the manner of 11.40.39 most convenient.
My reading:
12.18.08
